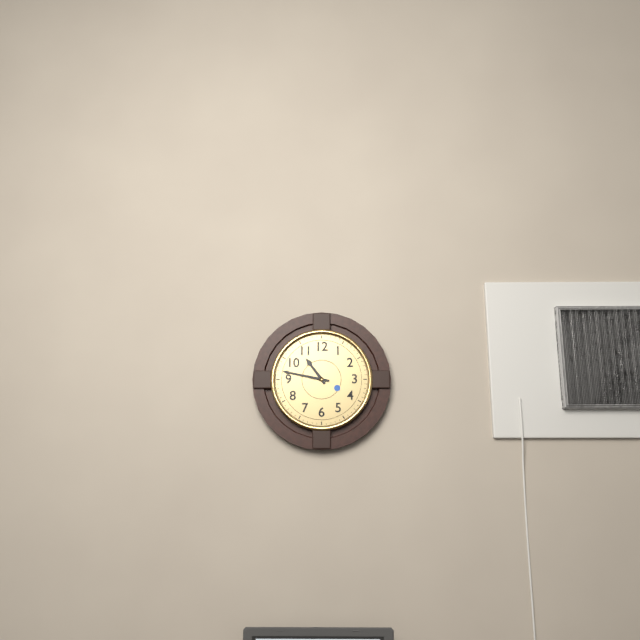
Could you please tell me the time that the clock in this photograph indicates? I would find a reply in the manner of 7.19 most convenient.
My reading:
10.47
